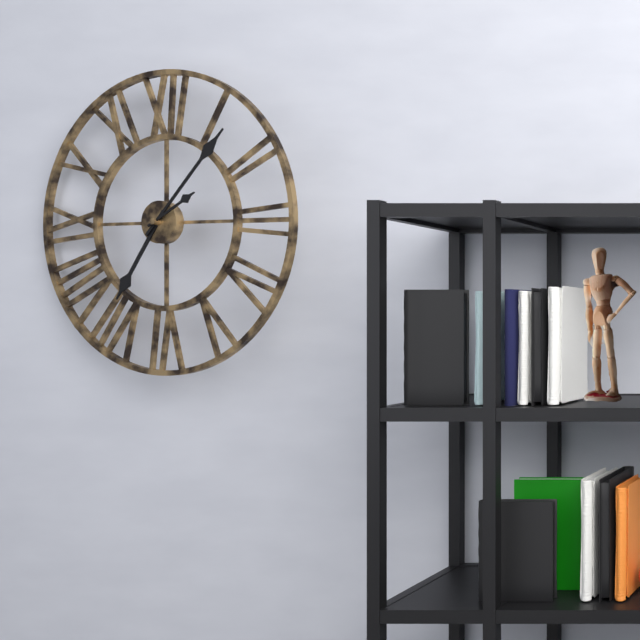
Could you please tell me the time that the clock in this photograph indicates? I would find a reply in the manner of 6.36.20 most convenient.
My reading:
7.07.10
